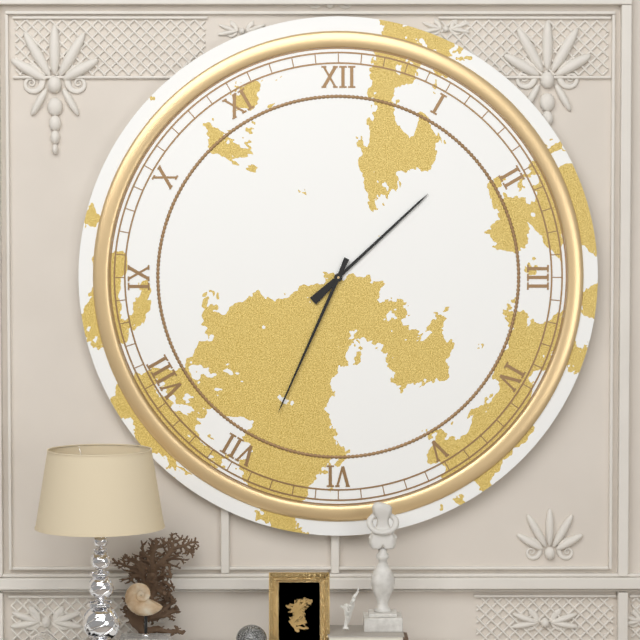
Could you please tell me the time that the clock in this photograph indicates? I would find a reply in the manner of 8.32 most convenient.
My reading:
1.34
